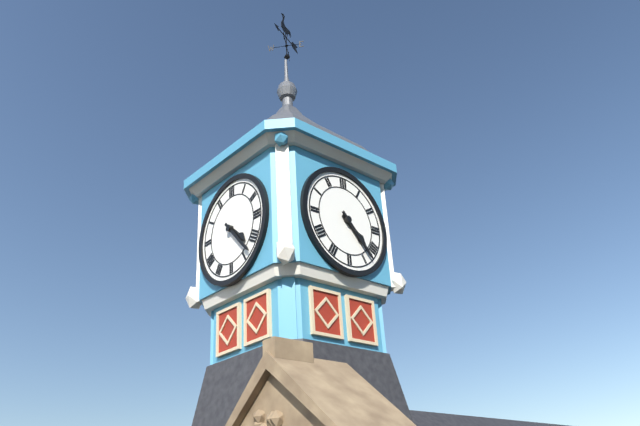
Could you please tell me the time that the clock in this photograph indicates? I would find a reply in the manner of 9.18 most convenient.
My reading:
4.23
